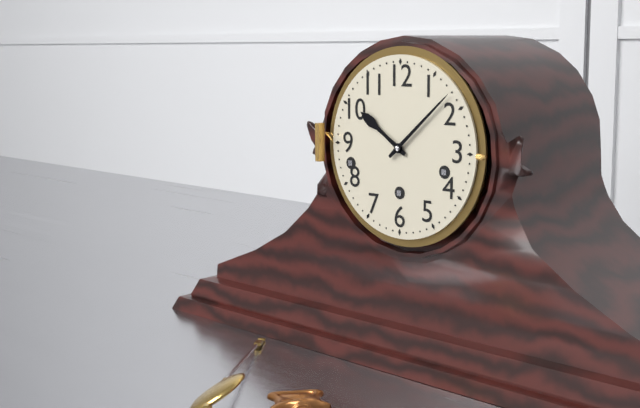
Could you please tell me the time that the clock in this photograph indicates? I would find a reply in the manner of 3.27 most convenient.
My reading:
10.08
